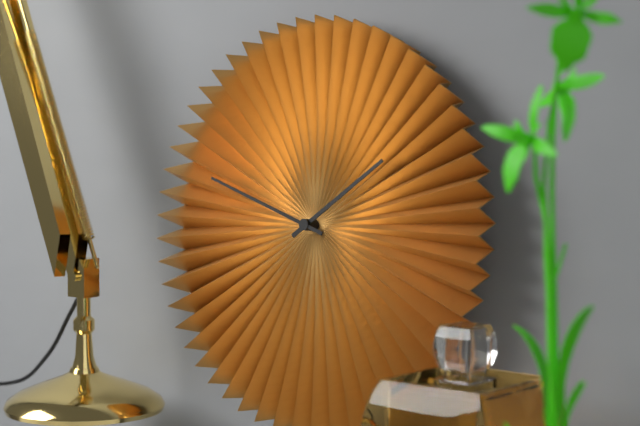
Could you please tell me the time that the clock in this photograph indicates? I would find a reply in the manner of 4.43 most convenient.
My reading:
1.48
